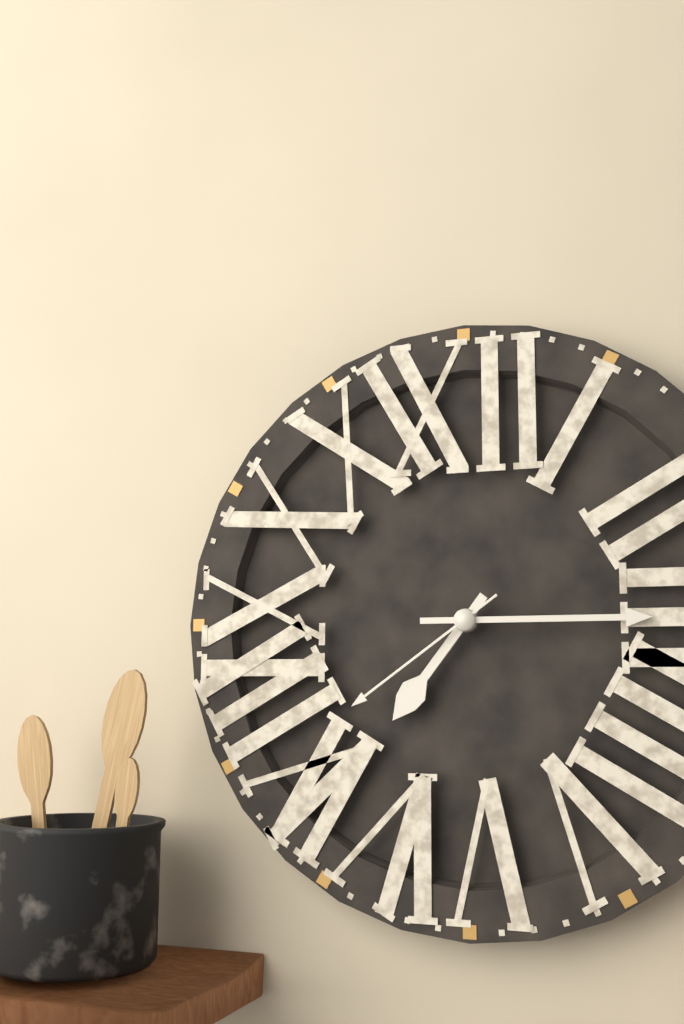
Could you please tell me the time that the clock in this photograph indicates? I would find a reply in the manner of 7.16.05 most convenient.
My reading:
7.15.39
